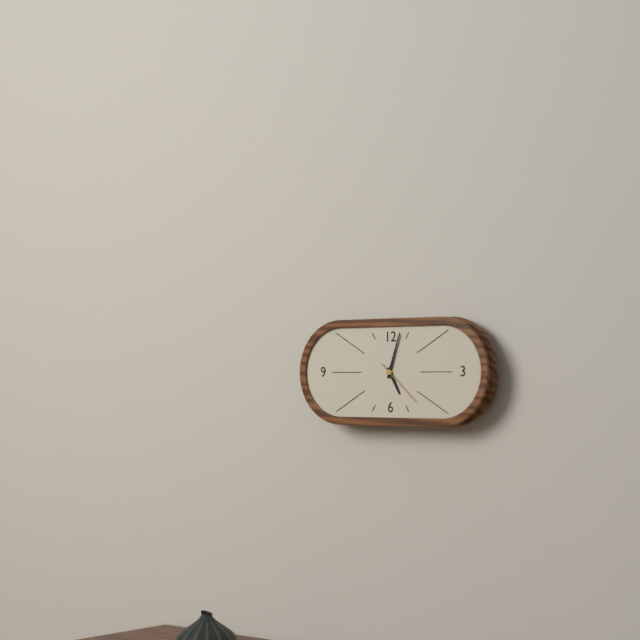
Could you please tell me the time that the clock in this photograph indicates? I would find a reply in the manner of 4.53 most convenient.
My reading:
5.03
